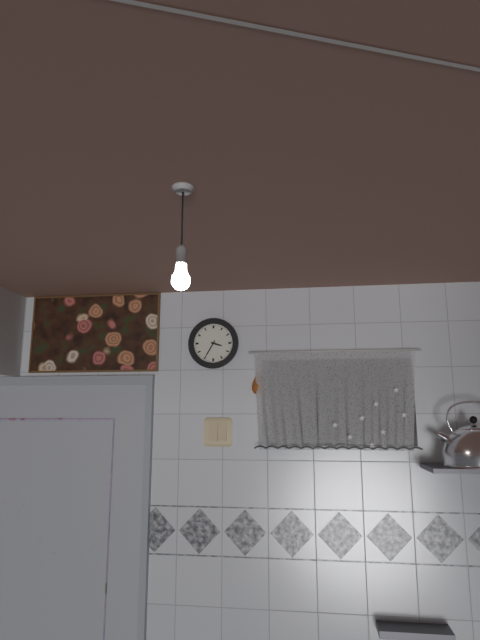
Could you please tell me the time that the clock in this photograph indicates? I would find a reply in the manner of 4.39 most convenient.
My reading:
3.35
